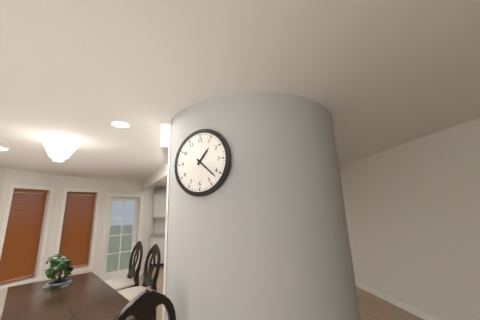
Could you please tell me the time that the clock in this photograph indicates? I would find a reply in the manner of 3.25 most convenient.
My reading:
1.22
